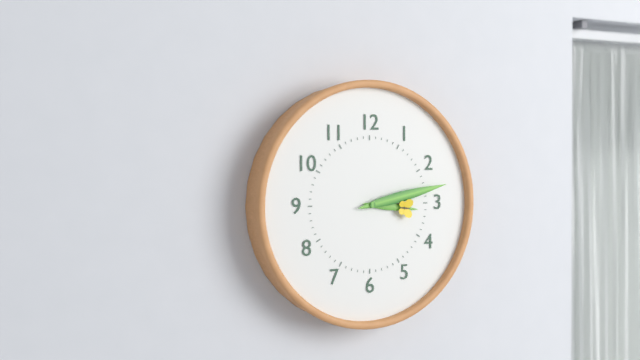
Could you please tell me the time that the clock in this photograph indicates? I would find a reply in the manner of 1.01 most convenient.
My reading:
3.13
